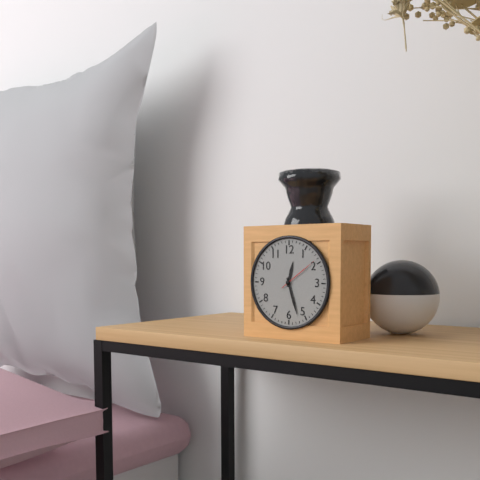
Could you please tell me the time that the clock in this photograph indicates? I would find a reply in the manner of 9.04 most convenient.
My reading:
12.27
